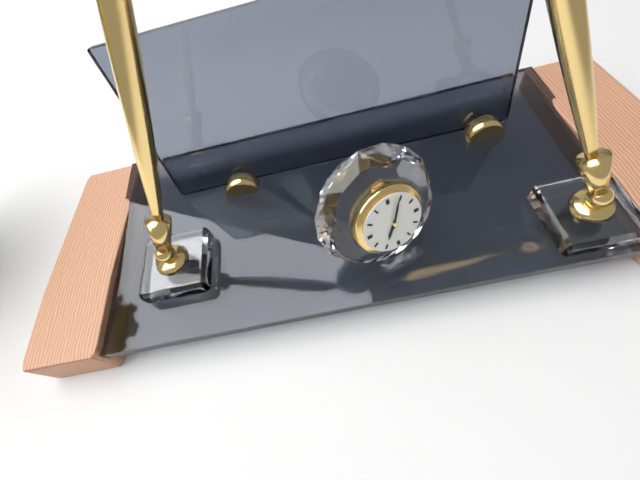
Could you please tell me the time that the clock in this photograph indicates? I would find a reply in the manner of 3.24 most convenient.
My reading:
7.04
